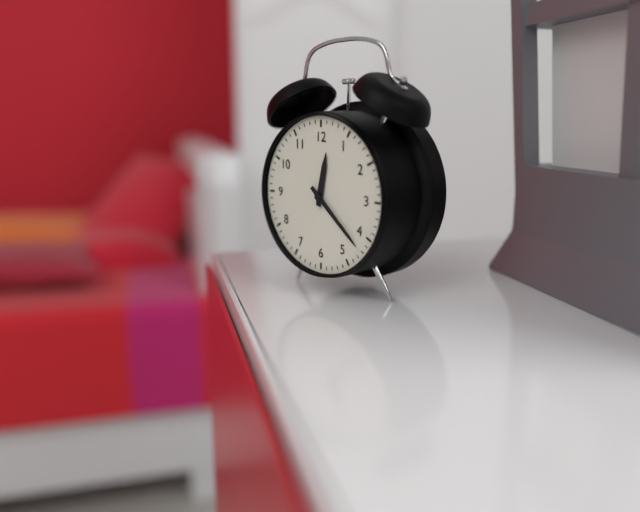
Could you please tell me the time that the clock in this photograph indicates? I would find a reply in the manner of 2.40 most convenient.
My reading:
12.22
